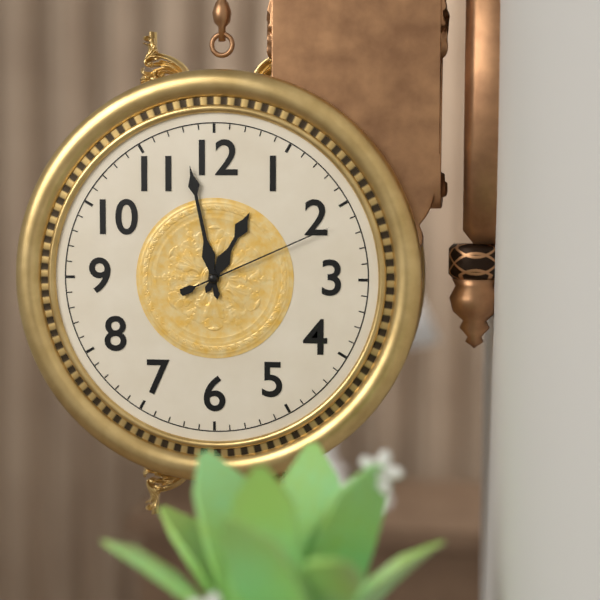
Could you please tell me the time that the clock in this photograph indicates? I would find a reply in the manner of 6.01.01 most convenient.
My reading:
12.58.11
